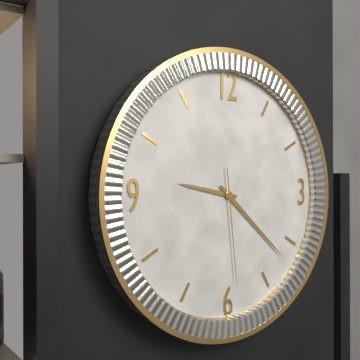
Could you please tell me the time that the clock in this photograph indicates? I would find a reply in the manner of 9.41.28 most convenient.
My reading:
9.22.29
